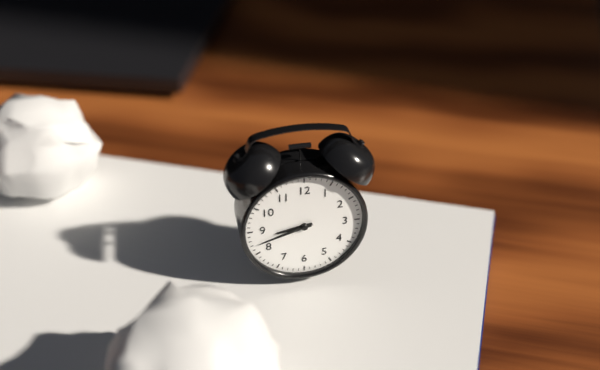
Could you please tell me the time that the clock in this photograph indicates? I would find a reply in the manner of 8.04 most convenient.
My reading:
8.42
